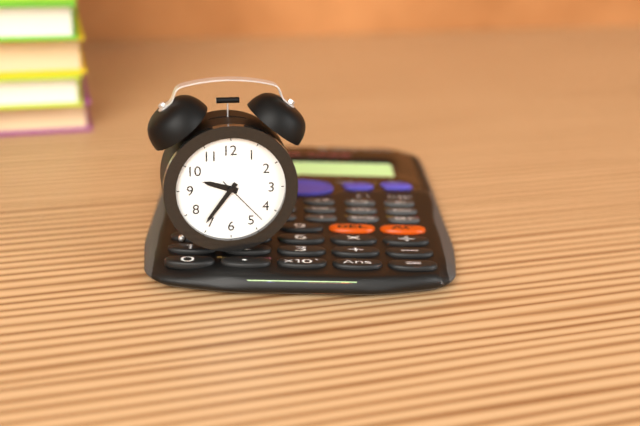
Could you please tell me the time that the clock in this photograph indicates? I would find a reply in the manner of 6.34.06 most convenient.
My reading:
9.36.23
